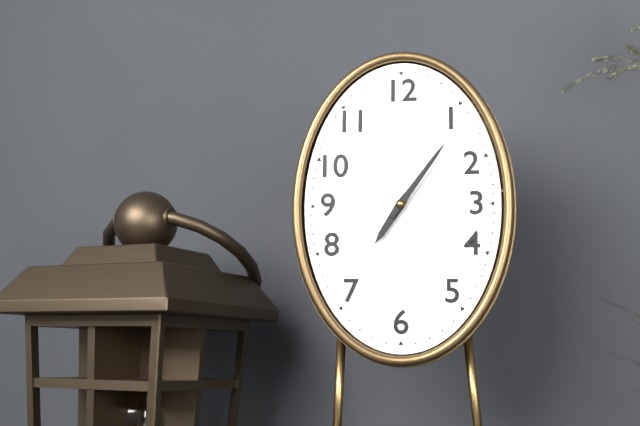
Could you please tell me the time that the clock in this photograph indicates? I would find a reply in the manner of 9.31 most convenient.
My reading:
7.06
